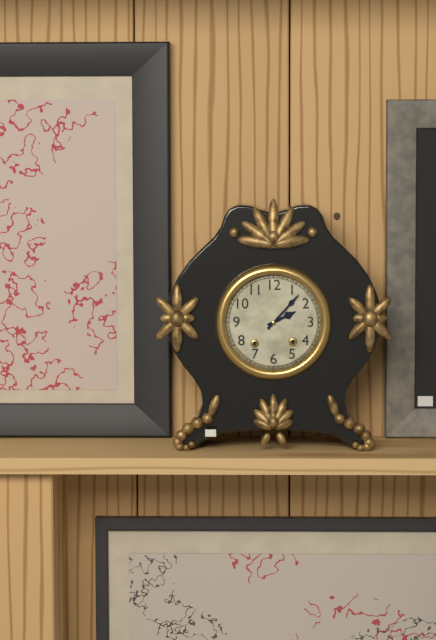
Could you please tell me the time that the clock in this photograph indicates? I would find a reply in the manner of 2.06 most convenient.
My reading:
2.07
